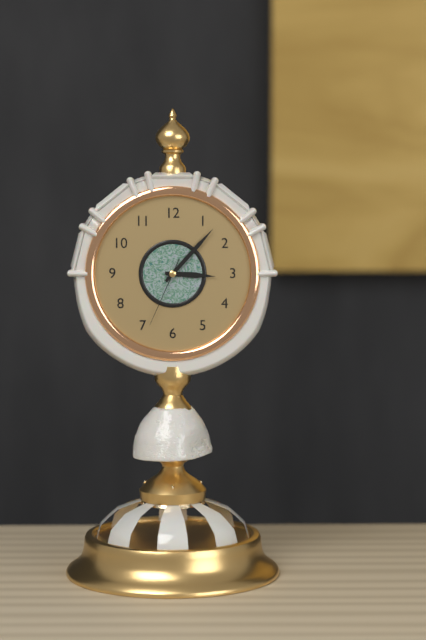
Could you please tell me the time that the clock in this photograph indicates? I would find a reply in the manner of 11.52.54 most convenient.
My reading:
3.07.34
